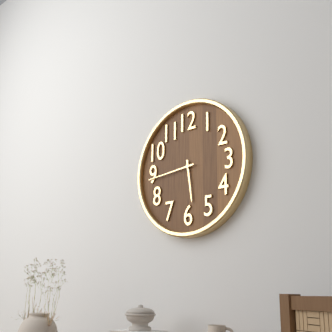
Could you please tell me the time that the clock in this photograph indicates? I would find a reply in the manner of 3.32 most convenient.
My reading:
5.44
